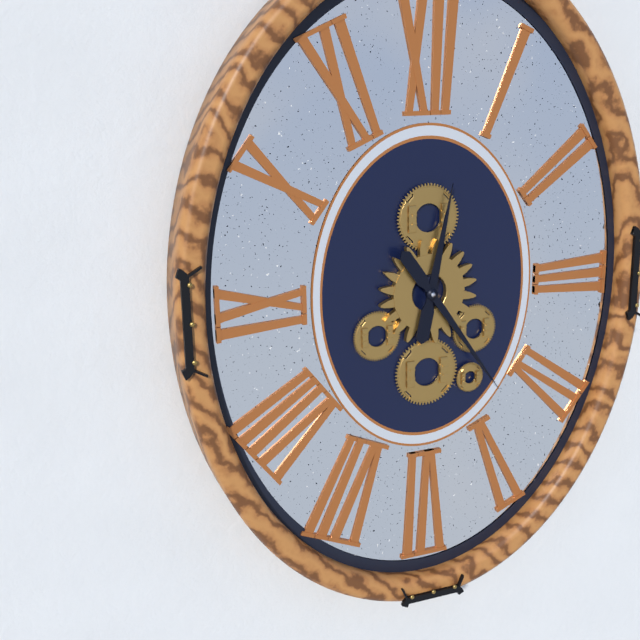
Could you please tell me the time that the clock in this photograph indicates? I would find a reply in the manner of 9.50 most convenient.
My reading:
12.24
